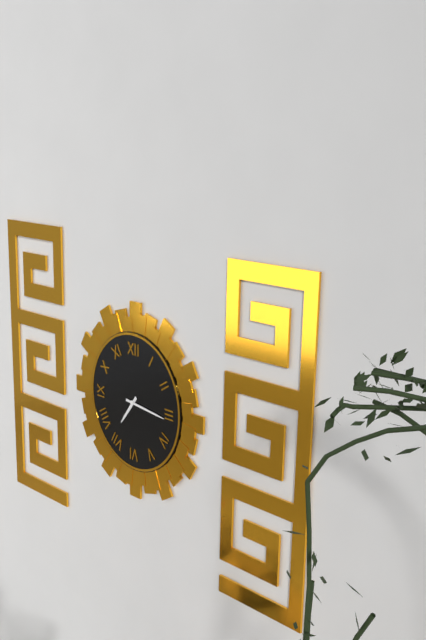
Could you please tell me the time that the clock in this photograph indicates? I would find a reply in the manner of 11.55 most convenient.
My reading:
7.16
